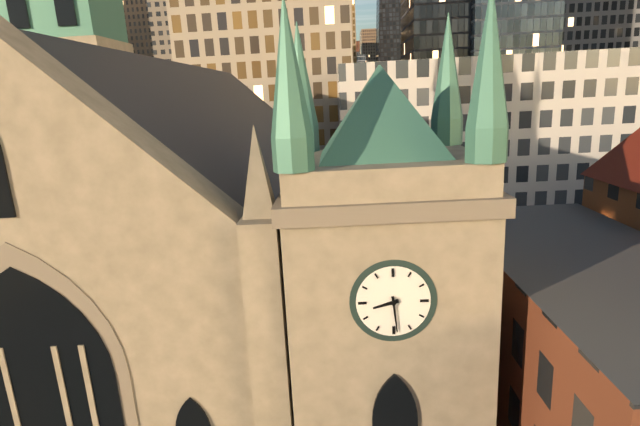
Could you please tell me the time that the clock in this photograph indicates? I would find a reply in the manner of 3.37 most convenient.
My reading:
8.29
